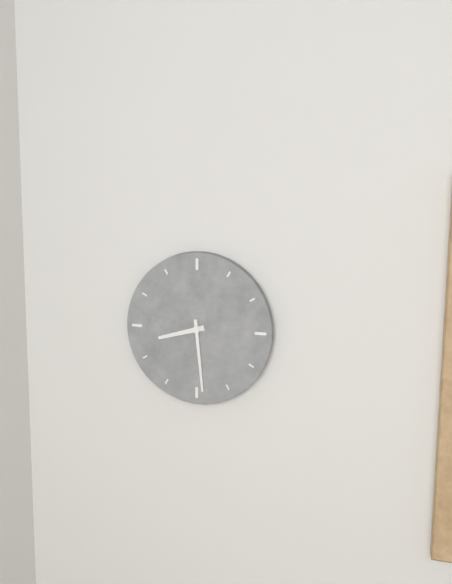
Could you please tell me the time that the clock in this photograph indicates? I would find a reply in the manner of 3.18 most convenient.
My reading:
8.29
